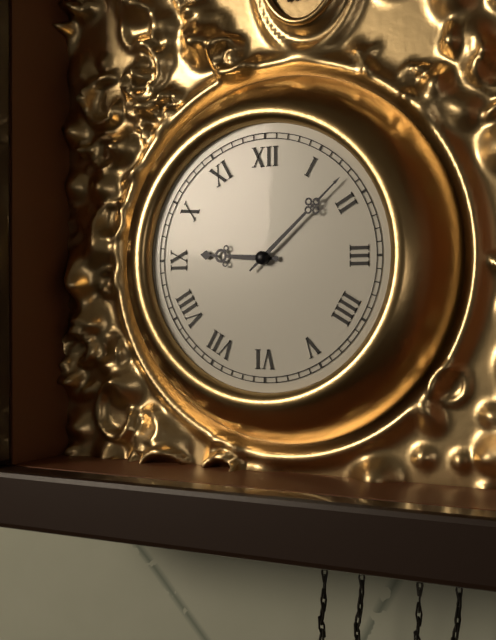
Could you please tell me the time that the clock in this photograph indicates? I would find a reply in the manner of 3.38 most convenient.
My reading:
9.08
